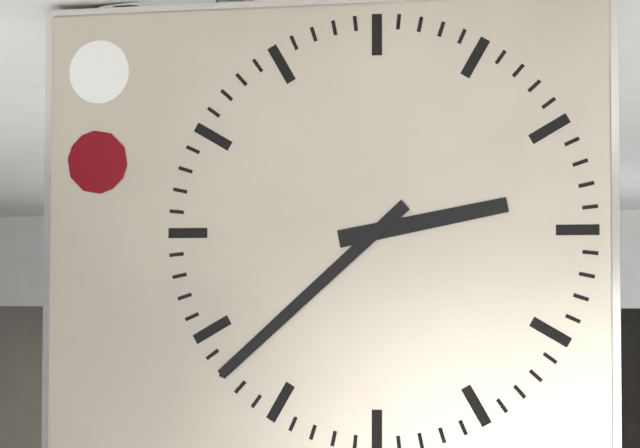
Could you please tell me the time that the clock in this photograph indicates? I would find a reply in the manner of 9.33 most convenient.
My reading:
2.38
